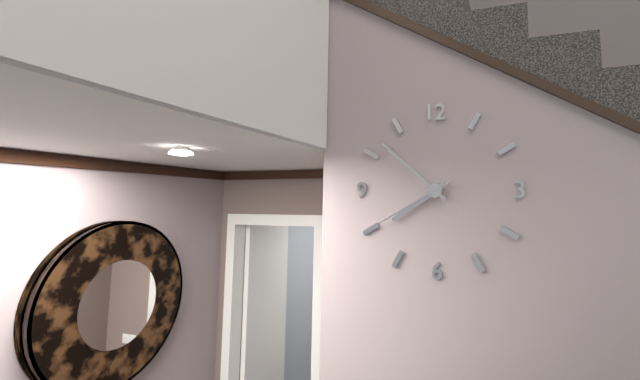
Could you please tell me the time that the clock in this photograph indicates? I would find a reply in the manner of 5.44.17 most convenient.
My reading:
7.52.40
